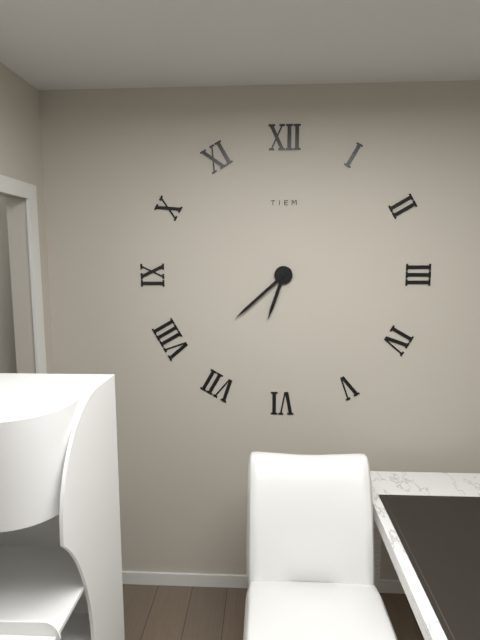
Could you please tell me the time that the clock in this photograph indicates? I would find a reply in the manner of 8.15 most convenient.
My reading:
6.38
